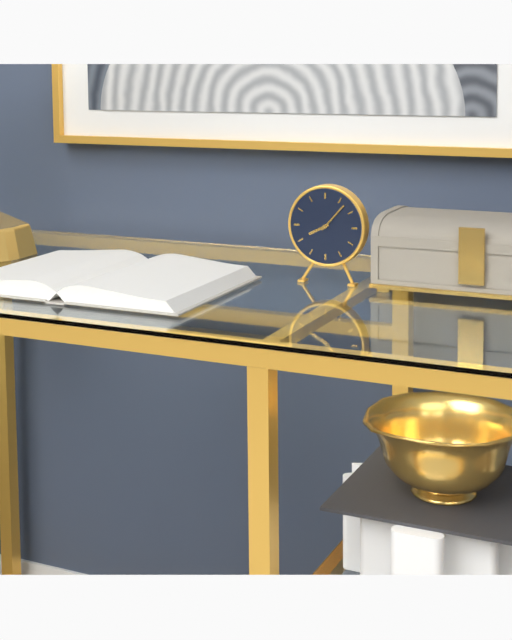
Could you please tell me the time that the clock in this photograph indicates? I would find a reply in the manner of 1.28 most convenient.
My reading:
8.07
